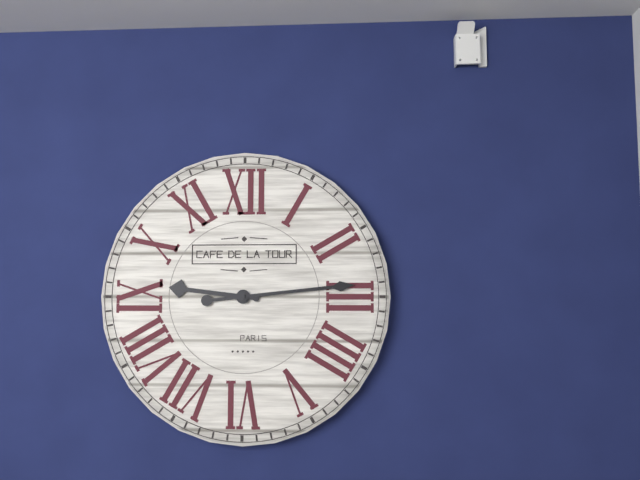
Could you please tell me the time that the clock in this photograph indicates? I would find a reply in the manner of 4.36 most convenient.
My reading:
9.14
